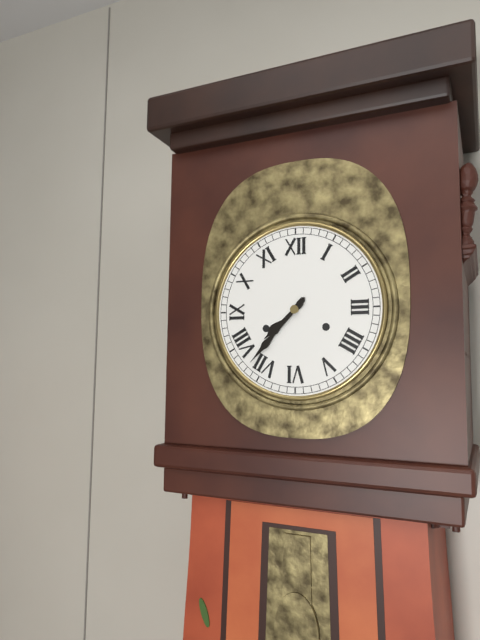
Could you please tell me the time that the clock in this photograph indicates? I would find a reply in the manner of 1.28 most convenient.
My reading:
7.37
